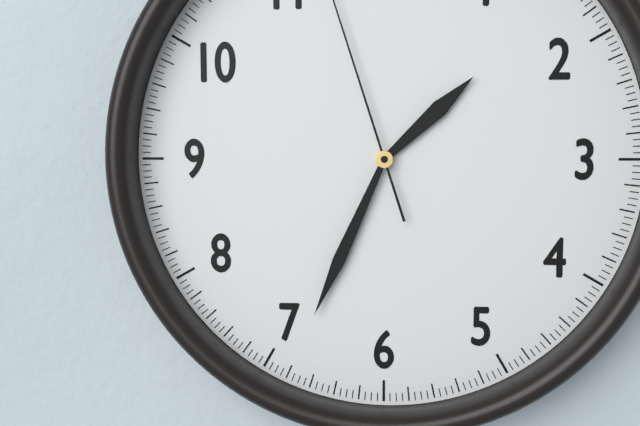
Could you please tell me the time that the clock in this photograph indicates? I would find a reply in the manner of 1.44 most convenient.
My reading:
1.34
